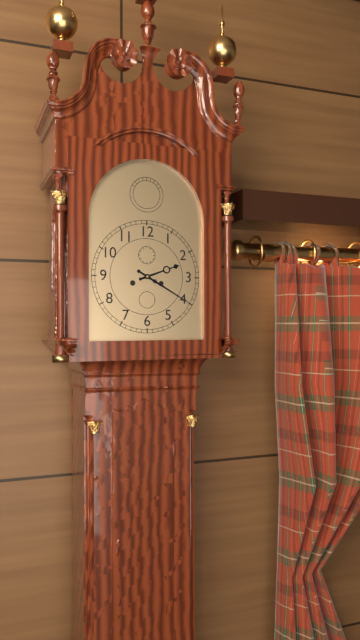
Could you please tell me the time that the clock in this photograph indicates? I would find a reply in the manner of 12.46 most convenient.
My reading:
2.20
